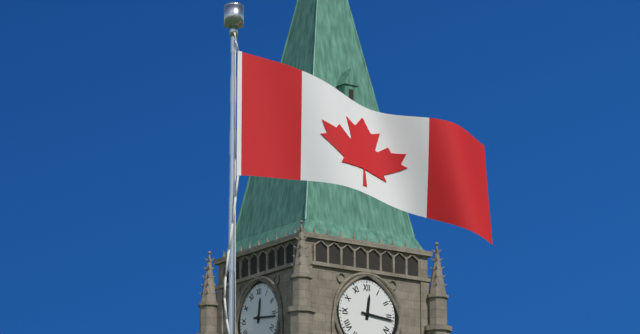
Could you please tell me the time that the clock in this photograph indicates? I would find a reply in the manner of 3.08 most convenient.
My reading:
12.16
